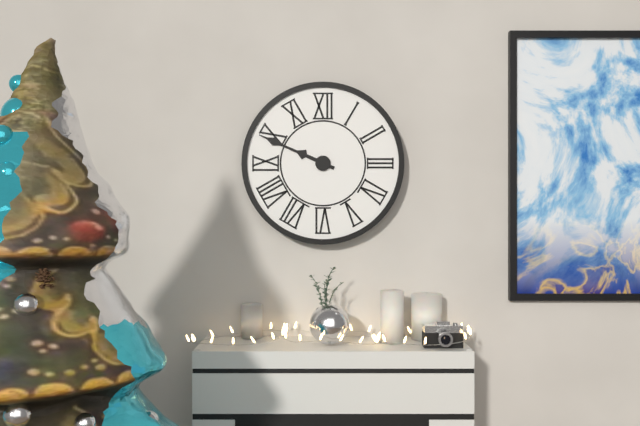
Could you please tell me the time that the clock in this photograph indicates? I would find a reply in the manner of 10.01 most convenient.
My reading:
9.49
